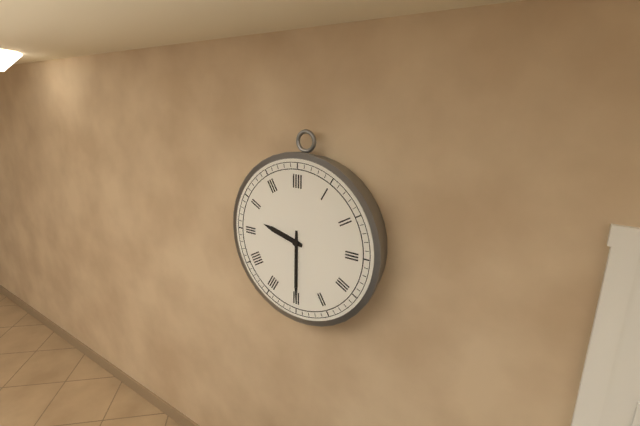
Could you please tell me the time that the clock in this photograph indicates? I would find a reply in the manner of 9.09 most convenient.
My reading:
9.30
